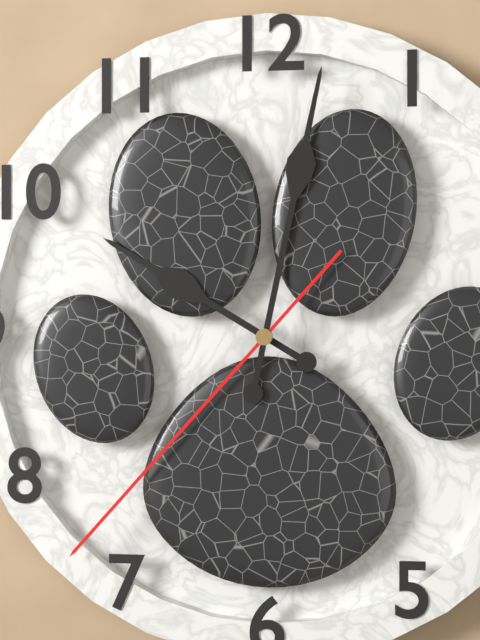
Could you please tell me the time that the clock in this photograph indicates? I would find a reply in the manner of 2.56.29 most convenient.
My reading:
10.02.37
